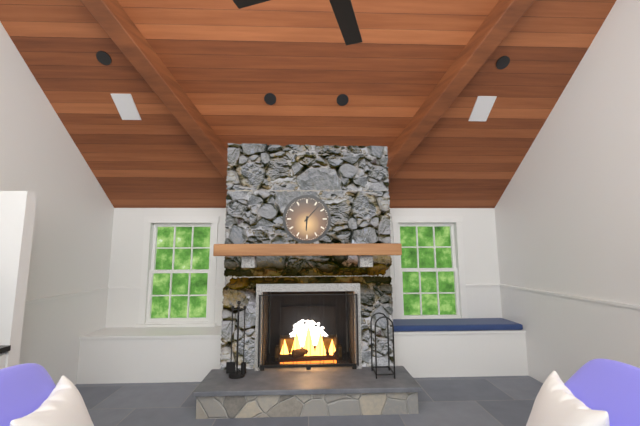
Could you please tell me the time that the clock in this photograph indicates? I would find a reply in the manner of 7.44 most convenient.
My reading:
6.07
